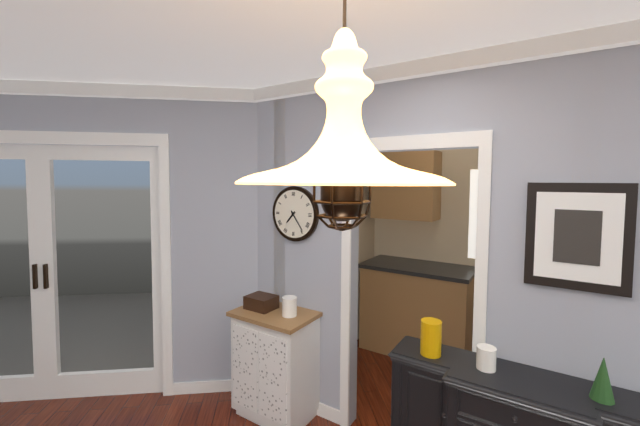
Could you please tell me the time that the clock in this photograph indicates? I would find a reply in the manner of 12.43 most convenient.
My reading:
7.24
